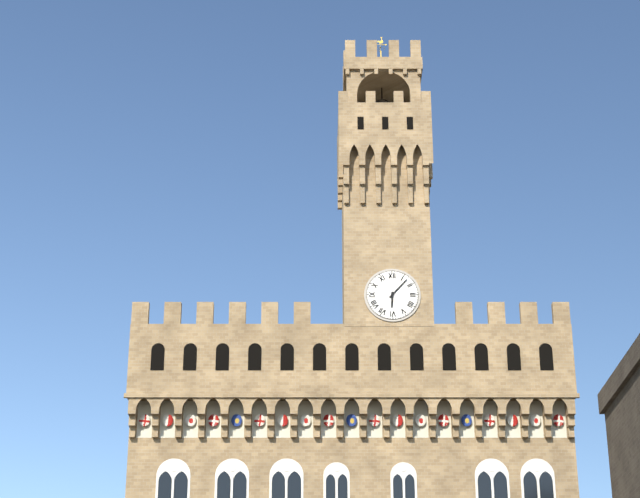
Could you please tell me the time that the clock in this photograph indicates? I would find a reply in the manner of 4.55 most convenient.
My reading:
6.07
